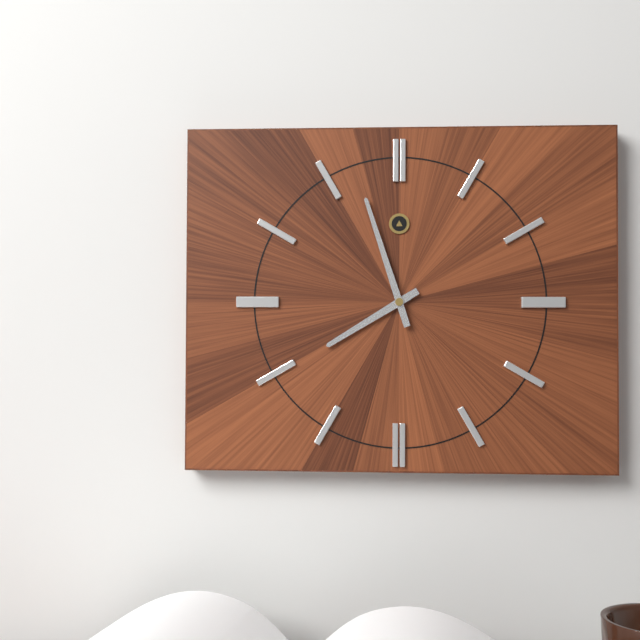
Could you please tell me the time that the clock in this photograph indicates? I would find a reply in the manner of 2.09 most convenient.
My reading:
7.57
